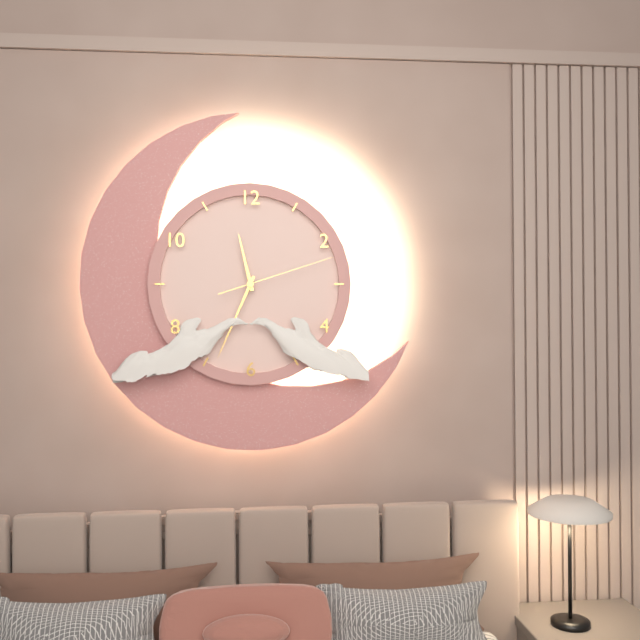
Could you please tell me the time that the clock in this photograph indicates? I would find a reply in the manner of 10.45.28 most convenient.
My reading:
11.34.12
